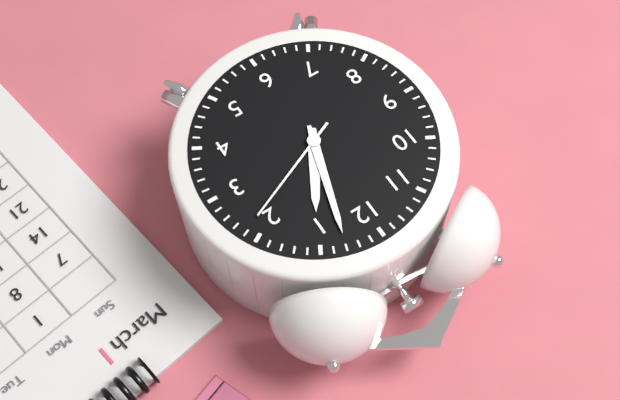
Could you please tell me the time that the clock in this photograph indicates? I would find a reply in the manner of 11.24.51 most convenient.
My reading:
1.03.11
